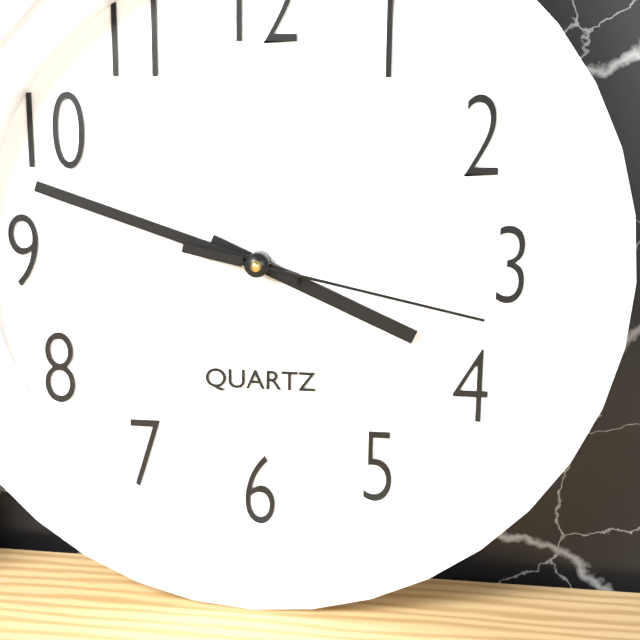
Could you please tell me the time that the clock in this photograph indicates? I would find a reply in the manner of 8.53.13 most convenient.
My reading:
3.48.17
